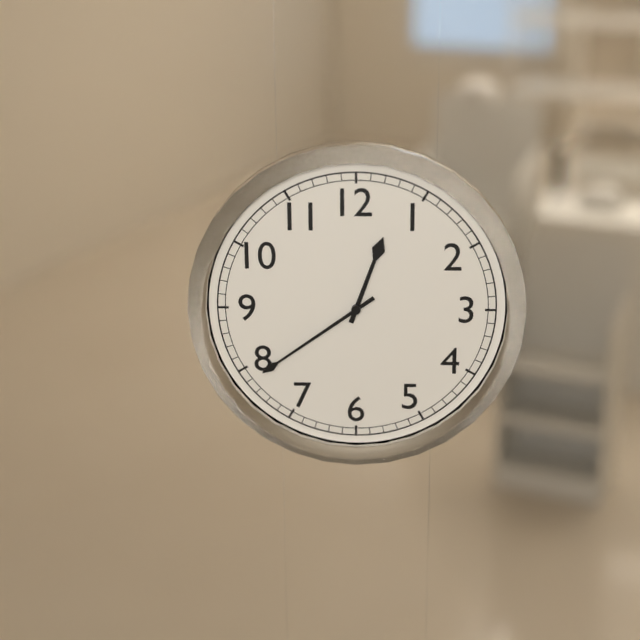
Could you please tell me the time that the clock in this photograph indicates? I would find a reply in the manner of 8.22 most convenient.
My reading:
12.39
